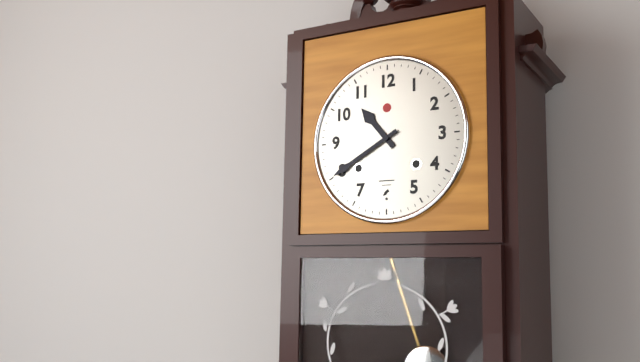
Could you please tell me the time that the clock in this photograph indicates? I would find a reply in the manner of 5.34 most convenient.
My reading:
10.40
